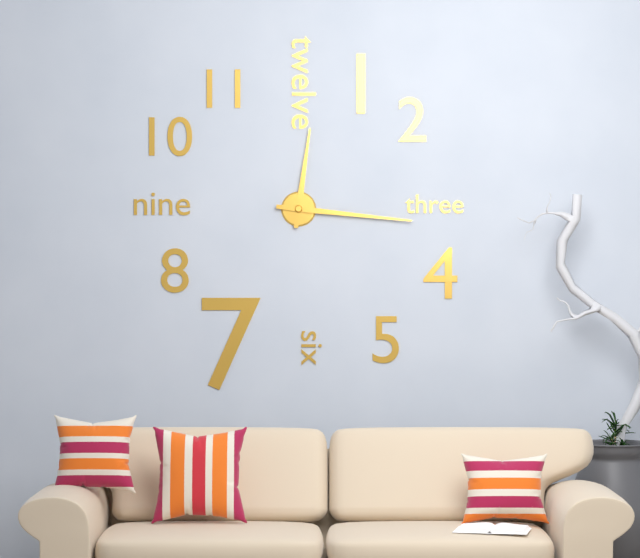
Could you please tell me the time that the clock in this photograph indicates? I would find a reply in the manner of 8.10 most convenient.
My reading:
12.16
